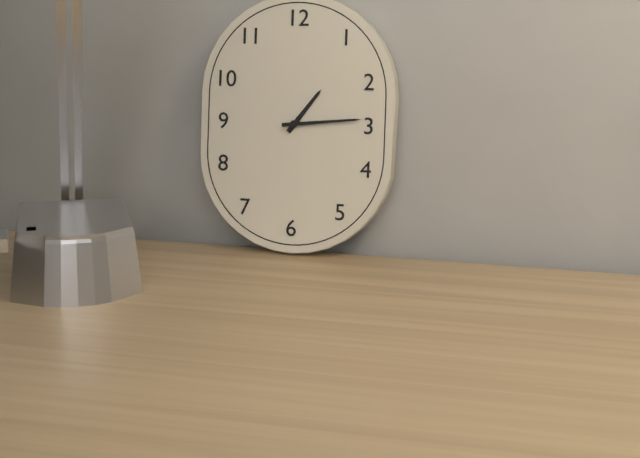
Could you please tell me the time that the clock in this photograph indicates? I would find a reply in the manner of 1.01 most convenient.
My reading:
1.14
